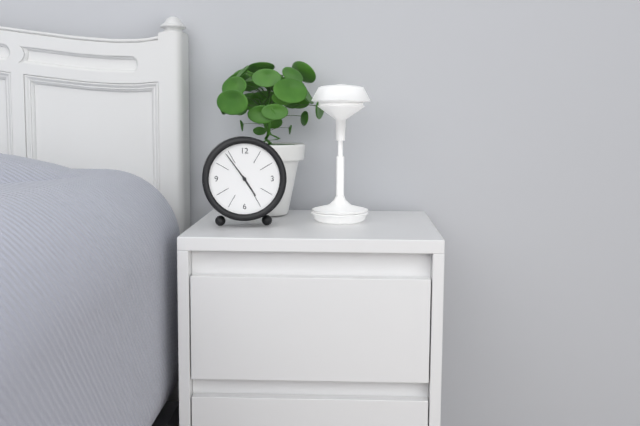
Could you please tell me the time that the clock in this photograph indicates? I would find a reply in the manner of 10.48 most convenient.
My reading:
4.54
